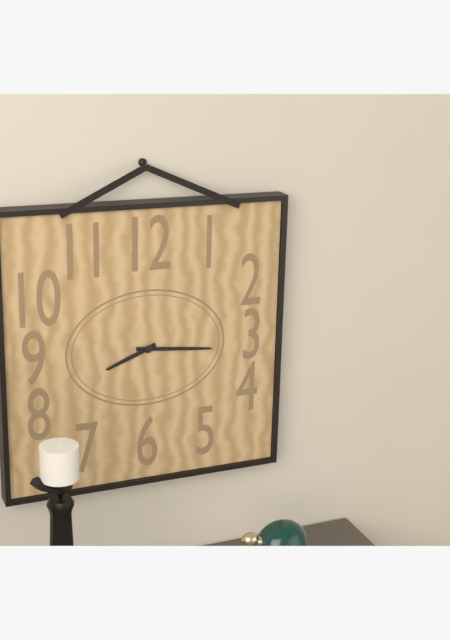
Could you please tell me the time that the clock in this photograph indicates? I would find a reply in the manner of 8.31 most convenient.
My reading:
8.16
